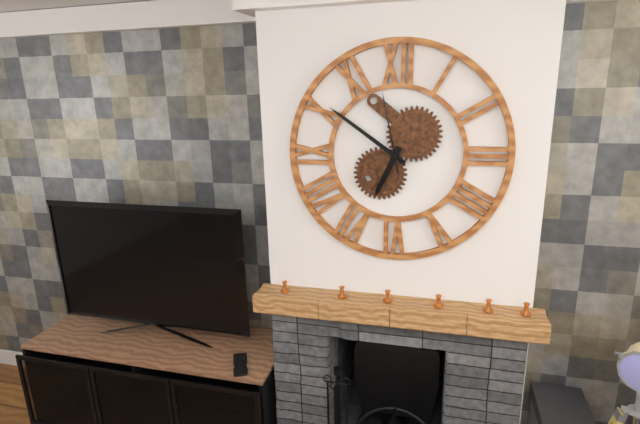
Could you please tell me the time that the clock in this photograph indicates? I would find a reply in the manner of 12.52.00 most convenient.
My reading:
6.51.58
